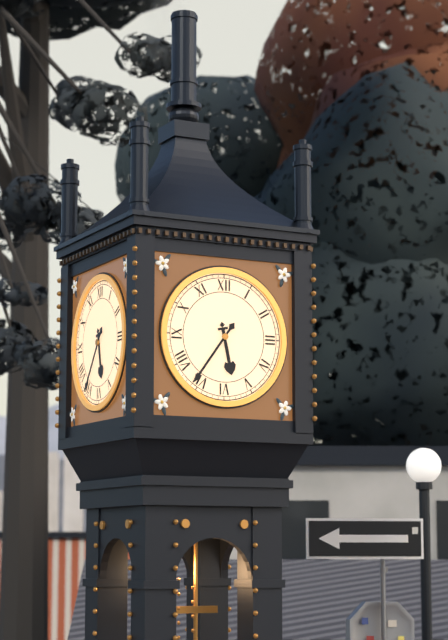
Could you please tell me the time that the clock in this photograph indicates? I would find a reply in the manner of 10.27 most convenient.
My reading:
5.36
